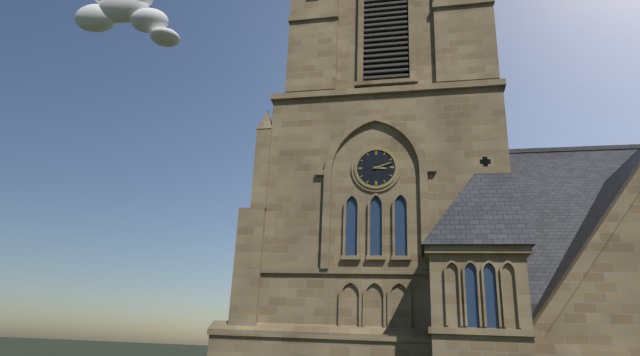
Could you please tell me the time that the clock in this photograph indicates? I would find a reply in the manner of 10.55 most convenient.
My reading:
3.12
